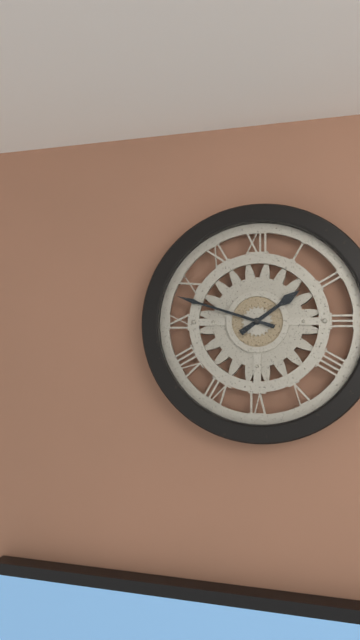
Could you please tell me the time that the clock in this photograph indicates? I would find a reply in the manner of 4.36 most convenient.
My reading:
1.48
